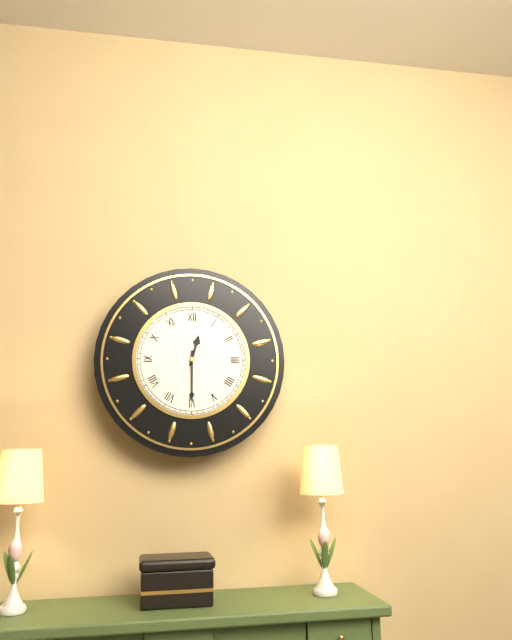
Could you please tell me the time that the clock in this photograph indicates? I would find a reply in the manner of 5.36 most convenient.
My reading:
12.30
